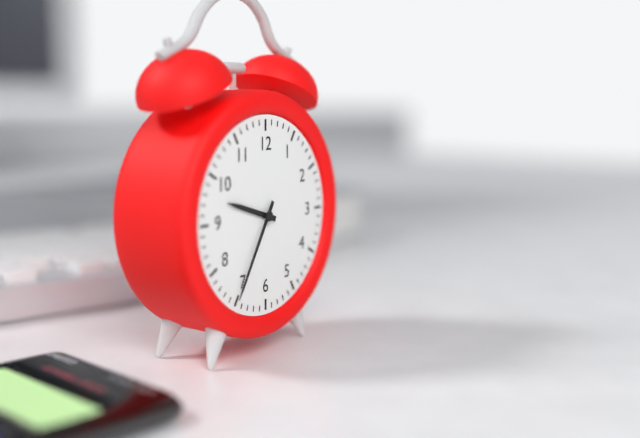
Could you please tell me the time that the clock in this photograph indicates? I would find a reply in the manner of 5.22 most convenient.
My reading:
9.35
